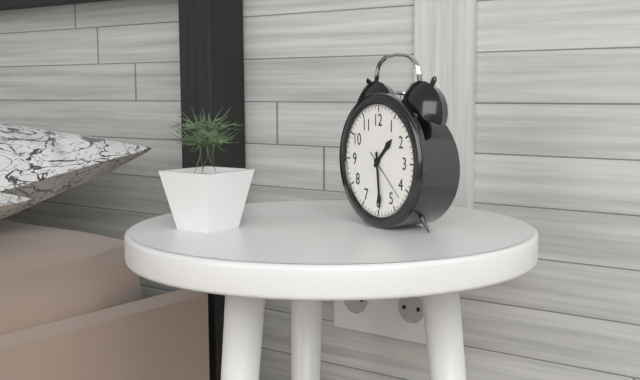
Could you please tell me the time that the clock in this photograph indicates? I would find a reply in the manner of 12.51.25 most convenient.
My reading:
1.29.22
